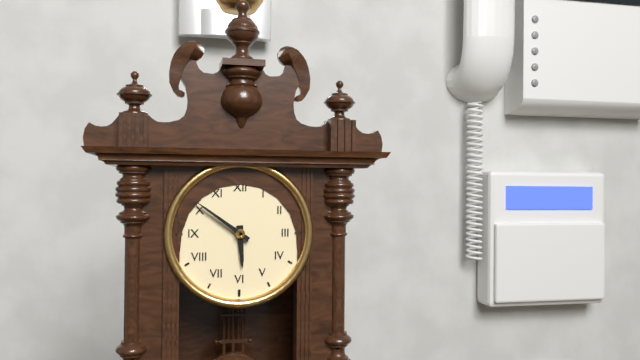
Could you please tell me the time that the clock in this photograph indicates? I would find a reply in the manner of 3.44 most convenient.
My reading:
5.51
